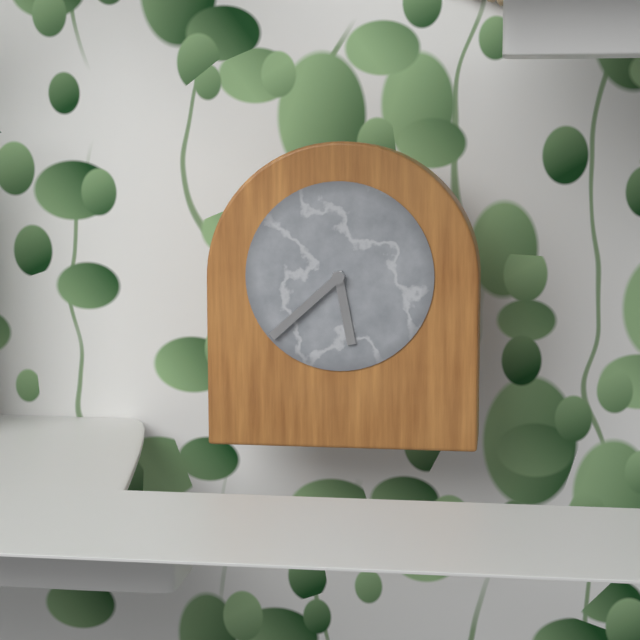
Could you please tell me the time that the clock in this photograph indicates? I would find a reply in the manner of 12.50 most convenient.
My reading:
5.38
